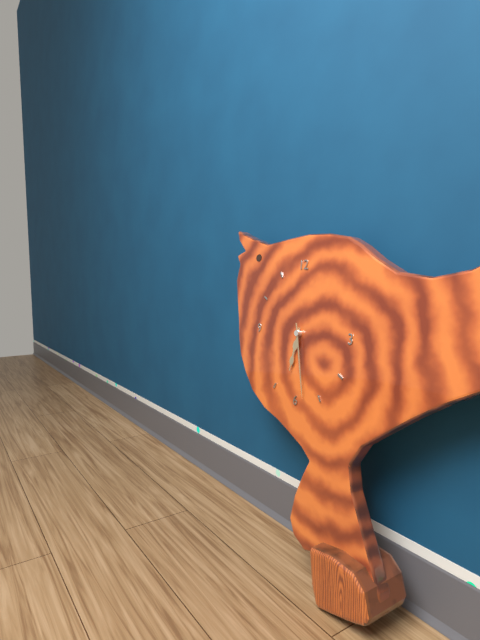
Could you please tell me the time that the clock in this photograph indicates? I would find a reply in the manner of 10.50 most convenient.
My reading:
6.28
